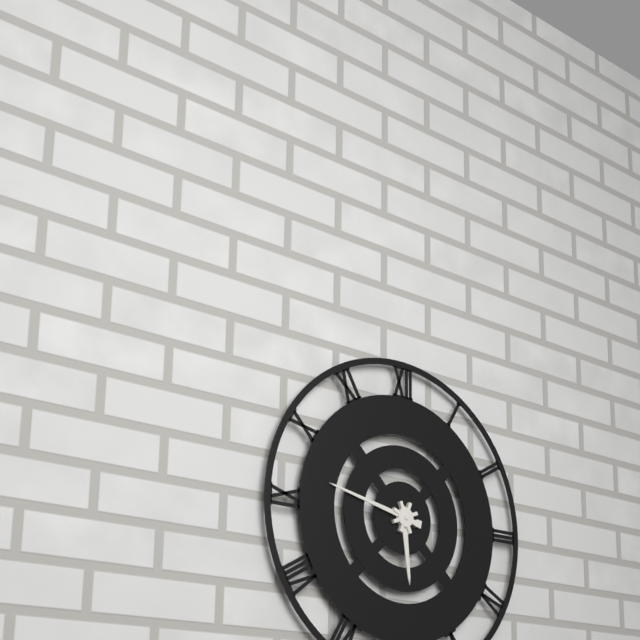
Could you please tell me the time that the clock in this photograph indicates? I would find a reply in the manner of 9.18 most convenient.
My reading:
5.47
